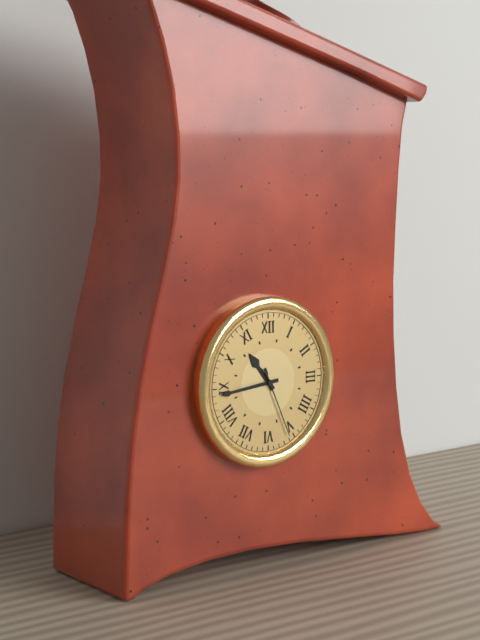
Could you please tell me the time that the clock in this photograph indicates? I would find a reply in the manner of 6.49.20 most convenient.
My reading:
10.44.26
